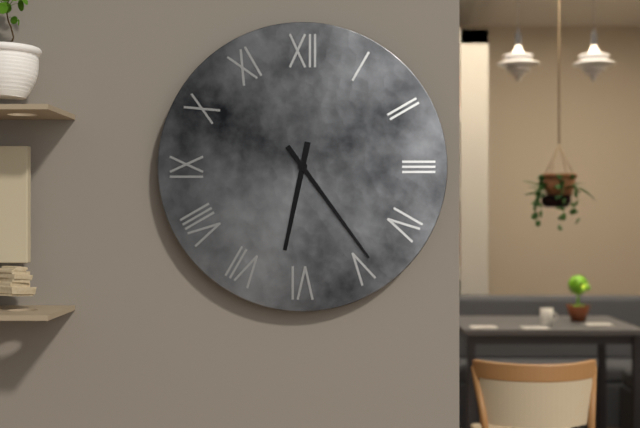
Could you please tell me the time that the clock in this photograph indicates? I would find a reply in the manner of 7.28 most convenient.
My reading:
6.24
